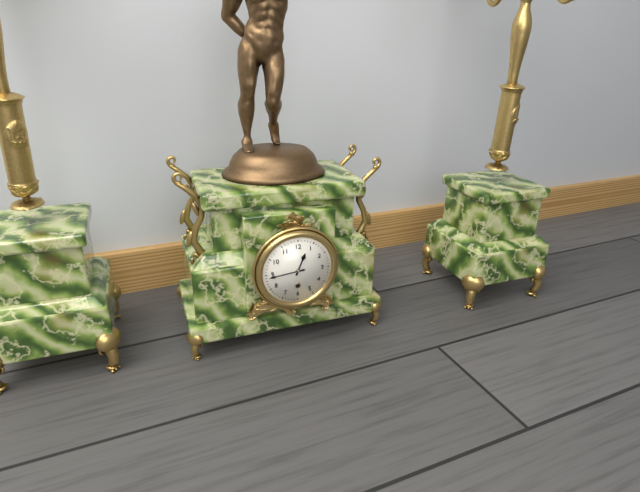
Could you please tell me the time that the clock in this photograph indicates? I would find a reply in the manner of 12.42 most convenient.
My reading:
12.44
